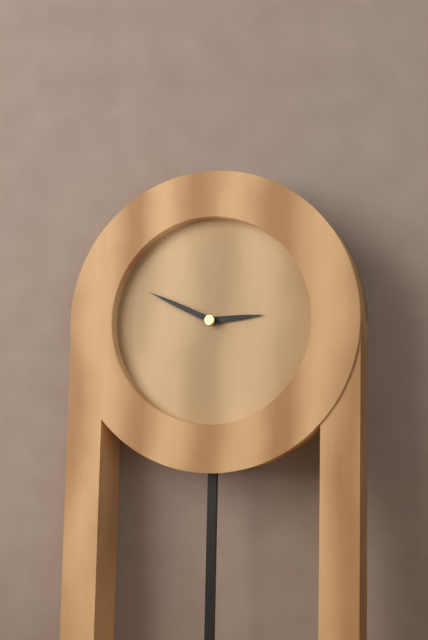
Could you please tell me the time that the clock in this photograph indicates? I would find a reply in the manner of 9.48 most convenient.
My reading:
2.49
